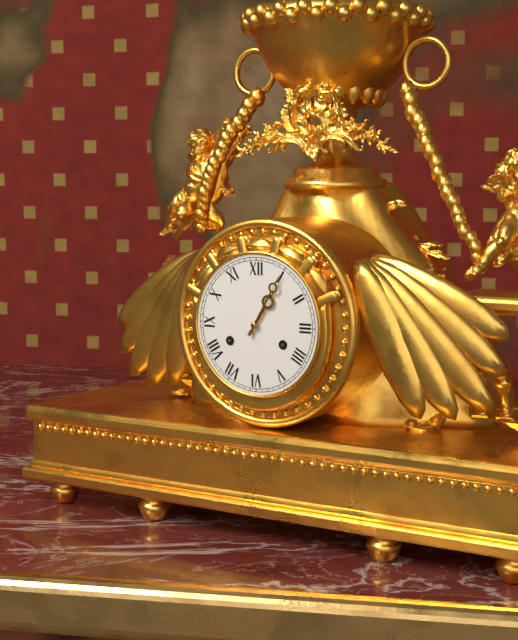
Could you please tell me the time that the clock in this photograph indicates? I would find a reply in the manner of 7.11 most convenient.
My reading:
1.05
